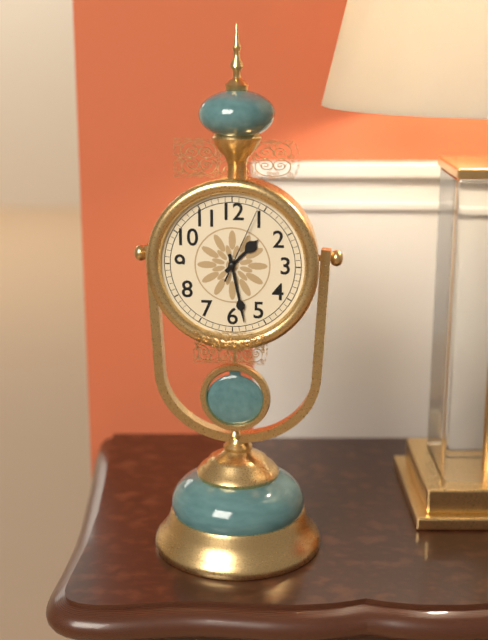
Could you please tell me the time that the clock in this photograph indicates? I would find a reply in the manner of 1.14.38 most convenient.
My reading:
1.28.04
